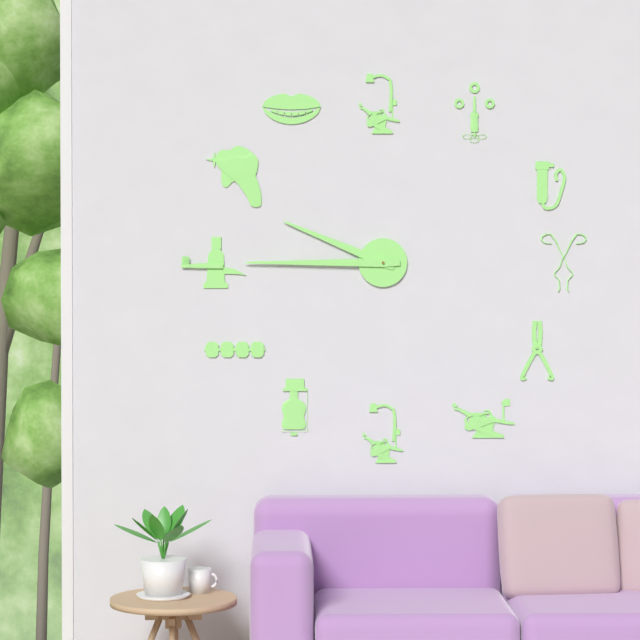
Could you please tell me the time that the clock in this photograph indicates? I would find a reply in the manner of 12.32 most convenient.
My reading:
9.45
